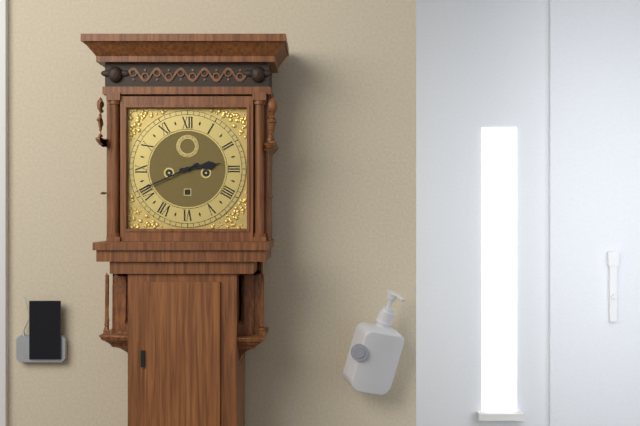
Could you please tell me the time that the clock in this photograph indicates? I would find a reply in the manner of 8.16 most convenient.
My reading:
2.41
